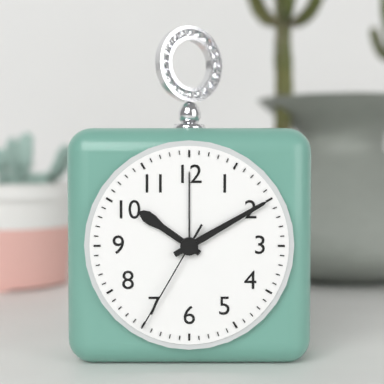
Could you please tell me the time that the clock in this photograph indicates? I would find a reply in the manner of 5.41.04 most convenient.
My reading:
10.10.35
